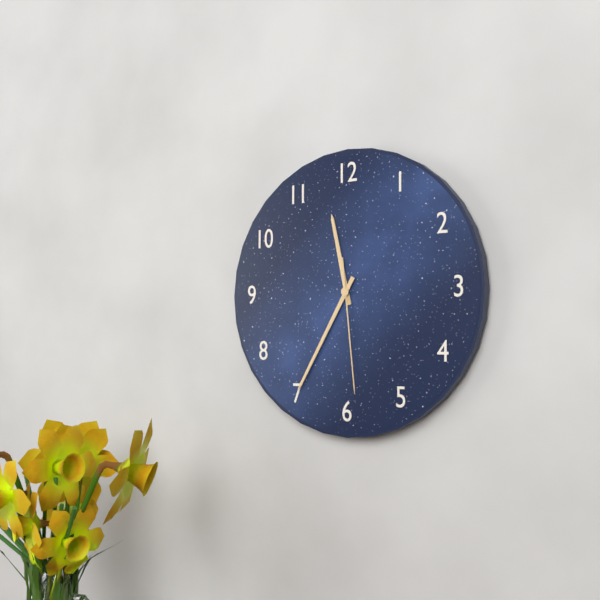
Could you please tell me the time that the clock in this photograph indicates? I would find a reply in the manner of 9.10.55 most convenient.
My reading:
11.35.29
